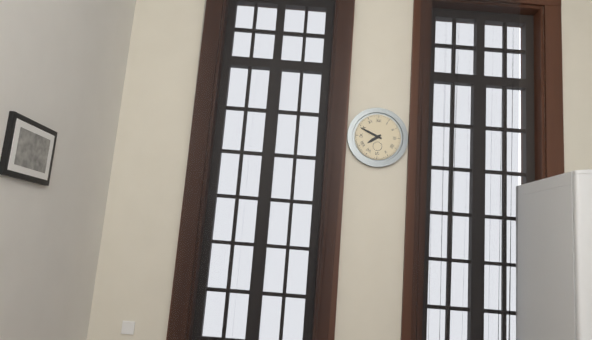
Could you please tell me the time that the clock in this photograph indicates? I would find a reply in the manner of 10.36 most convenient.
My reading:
7.49
